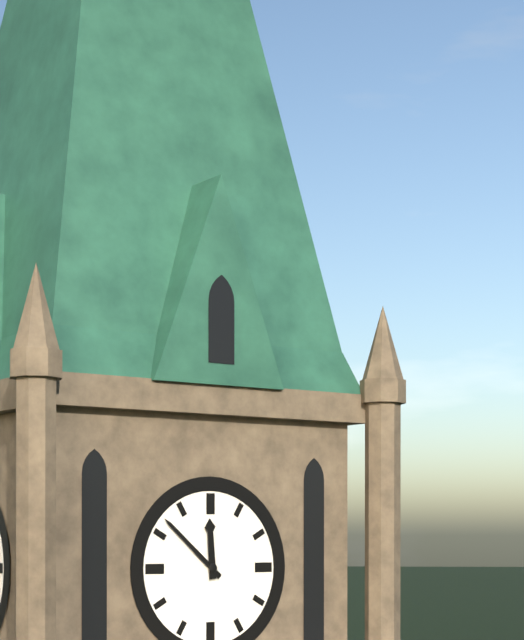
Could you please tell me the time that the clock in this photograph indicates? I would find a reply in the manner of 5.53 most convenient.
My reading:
11.52
